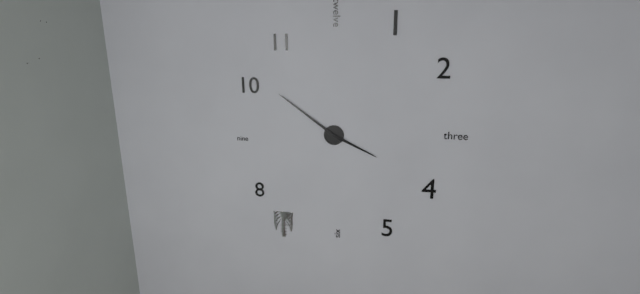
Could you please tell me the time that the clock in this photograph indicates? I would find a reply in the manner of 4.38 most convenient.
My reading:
3.51
